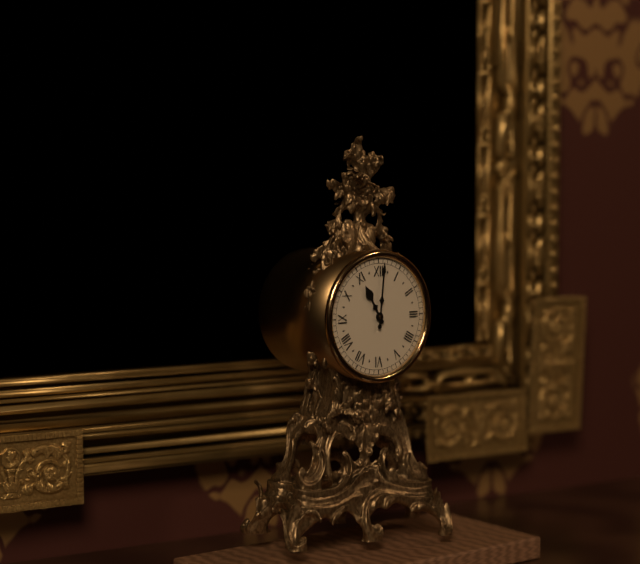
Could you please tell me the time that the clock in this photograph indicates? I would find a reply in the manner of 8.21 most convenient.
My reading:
11.01
